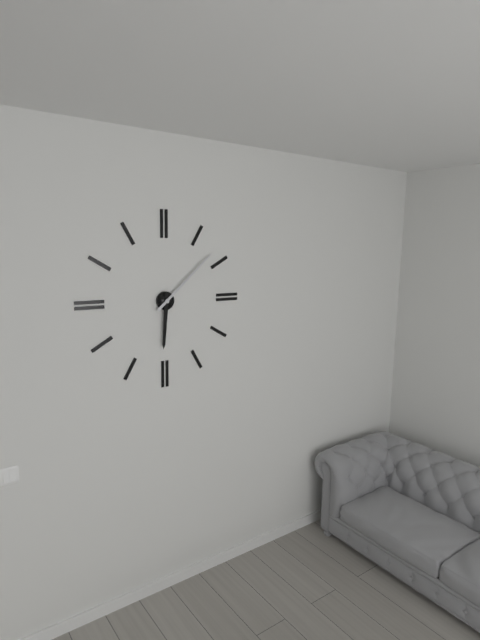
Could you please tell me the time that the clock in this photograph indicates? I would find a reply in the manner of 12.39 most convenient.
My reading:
6.08
